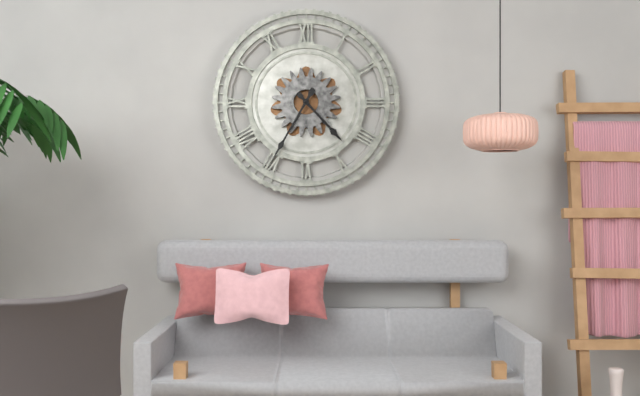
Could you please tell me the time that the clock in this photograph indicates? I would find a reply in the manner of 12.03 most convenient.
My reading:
4.35
